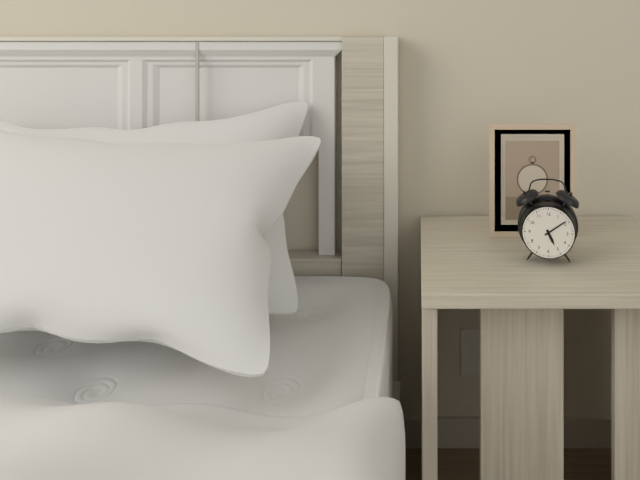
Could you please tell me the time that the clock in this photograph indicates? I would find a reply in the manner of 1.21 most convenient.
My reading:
5.09
